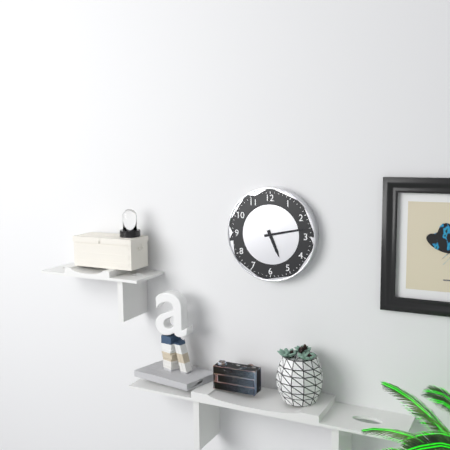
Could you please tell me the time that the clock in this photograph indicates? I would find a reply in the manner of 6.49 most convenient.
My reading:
5.13
